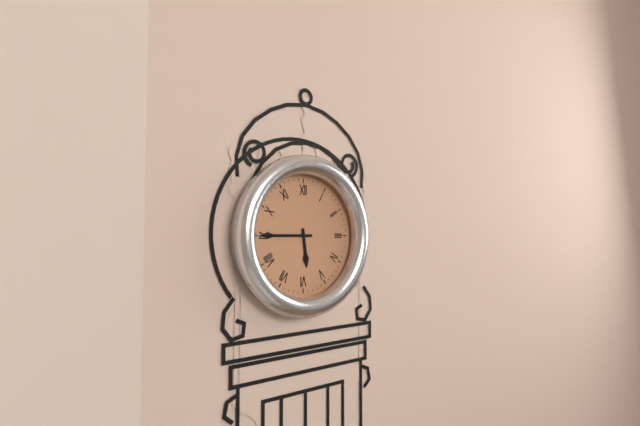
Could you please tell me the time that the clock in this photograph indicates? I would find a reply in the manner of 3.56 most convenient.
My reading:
5.45
